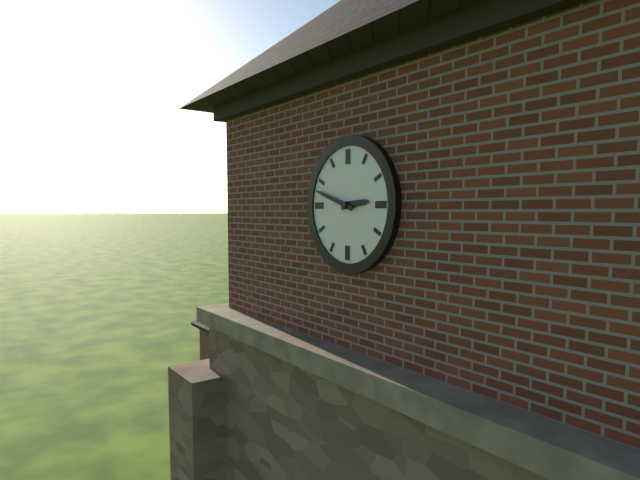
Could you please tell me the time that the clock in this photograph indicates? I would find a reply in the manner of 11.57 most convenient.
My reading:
2.48
